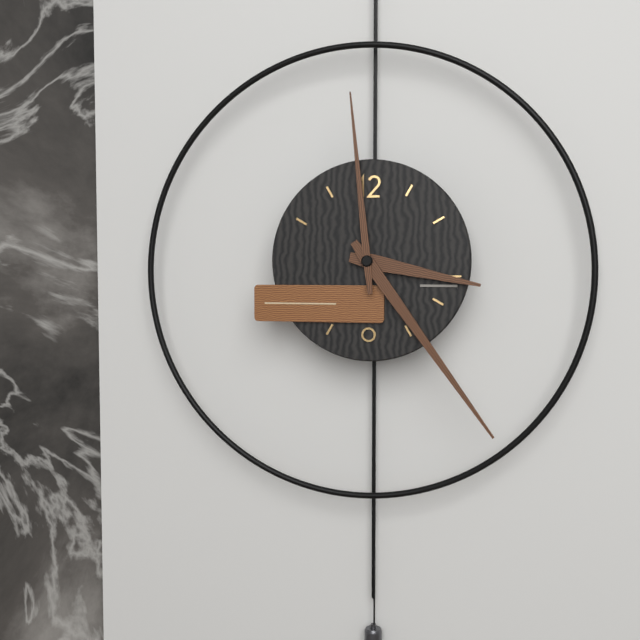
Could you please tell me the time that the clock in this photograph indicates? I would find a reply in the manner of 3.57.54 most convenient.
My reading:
3.24.59
